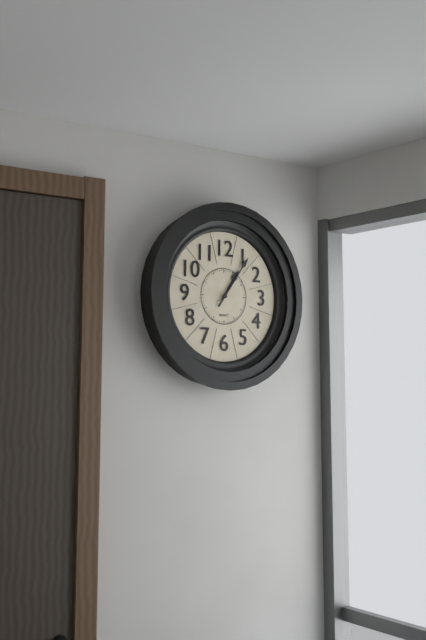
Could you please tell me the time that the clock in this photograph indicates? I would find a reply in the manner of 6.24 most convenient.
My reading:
1.06
